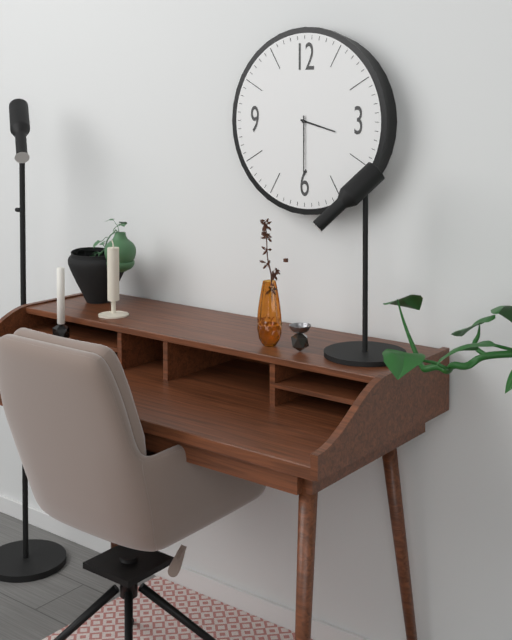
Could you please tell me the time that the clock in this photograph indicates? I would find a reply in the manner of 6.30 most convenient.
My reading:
3.30
